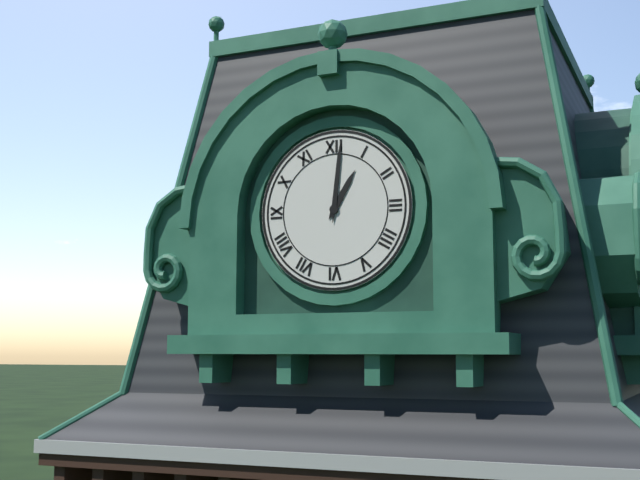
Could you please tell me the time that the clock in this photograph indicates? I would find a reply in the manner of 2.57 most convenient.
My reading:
1.01
